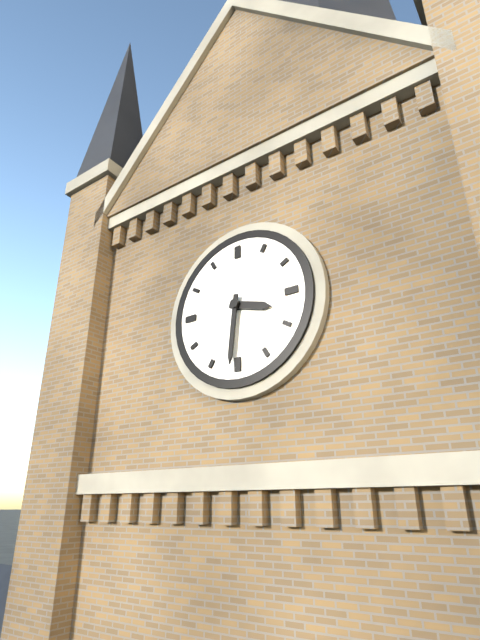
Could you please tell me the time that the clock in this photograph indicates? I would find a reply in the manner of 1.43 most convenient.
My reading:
3.31
